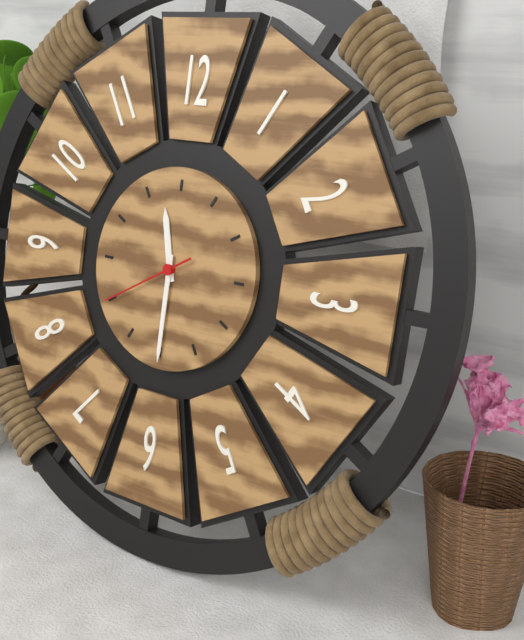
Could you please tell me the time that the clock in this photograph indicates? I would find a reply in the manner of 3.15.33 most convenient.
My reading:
11.30.40
